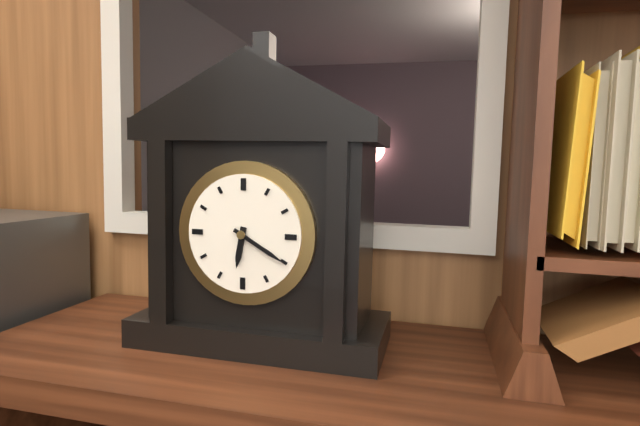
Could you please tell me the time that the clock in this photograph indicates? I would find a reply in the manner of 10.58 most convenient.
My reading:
6.20
